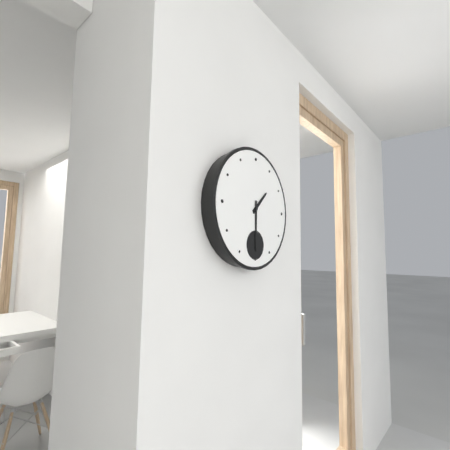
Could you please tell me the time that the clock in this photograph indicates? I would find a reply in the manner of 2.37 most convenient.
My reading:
1.30
